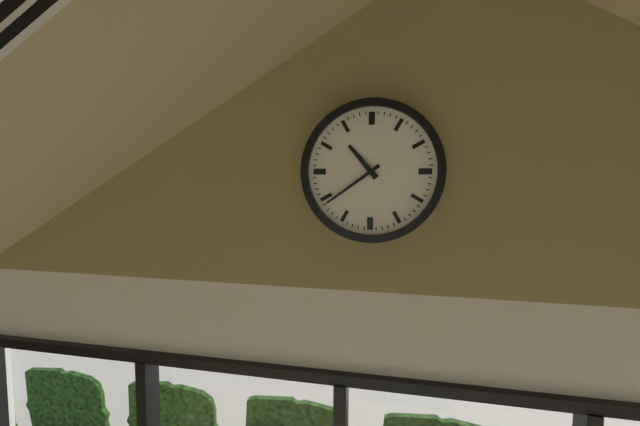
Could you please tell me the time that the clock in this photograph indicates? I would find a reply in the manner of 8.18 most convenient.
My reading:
10.39
